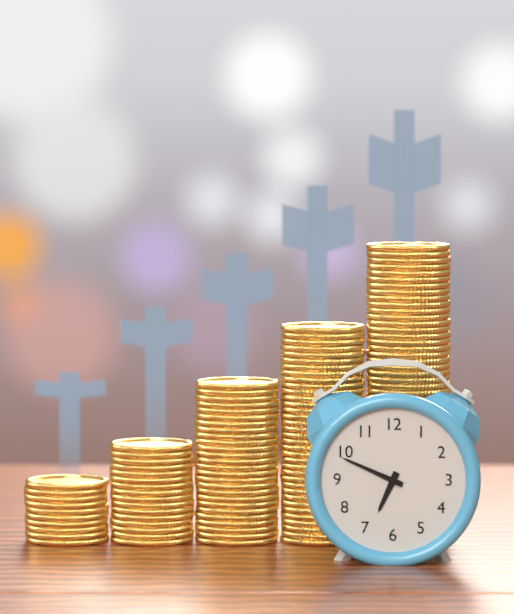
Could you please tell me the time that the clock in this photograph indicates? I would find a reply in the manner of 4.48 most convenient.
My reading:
6.49
